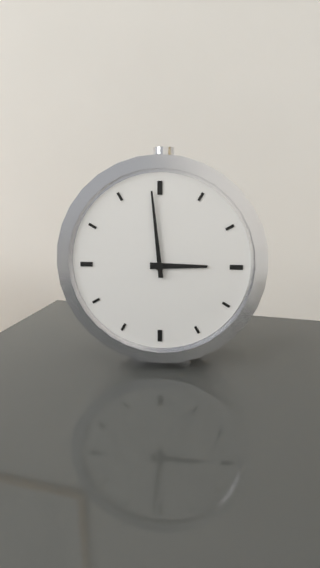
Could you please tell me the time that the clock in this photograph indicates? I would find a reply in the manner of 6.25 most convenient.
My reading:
2.59
